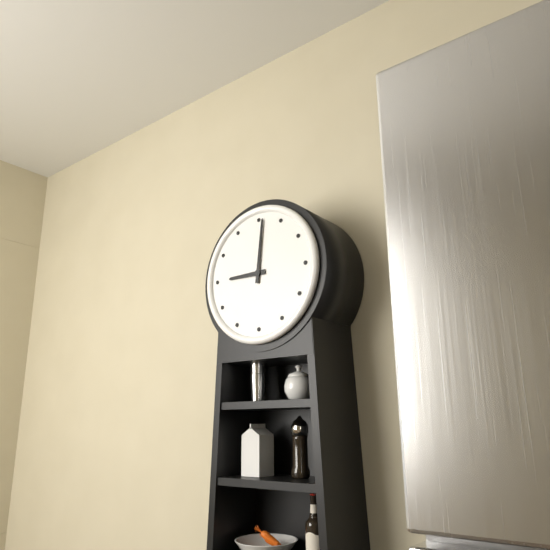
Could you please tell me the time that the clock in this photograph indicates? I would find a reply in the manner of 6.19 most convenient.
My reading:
9.01
